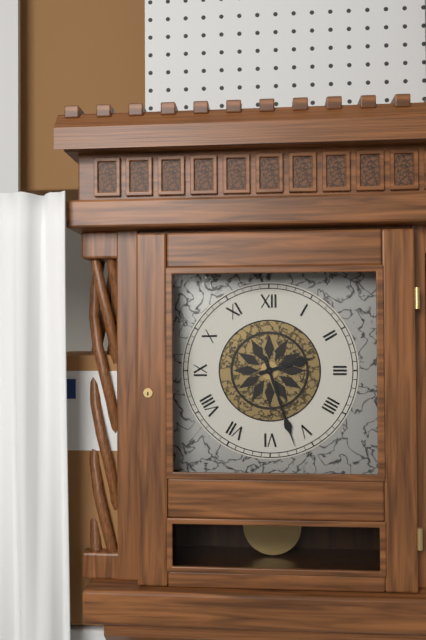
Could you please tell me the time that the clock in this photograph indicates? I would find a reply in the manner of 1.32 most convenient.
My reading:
2.27
